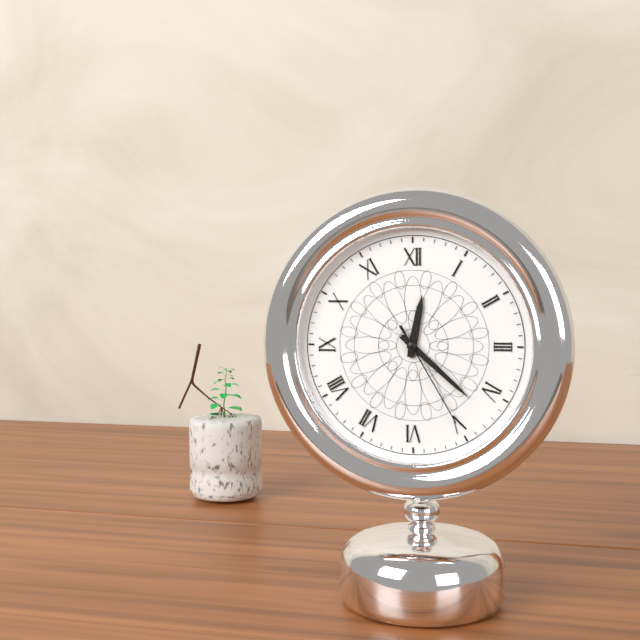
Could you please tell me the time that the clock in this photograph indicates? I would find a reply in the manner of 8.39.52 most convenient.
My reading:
12.22.25
